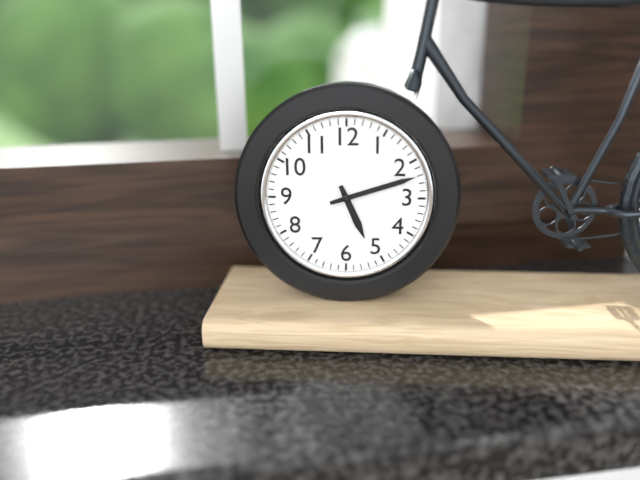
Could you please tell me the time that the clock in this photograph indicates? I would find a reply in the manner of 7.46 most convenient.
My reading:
5.12
